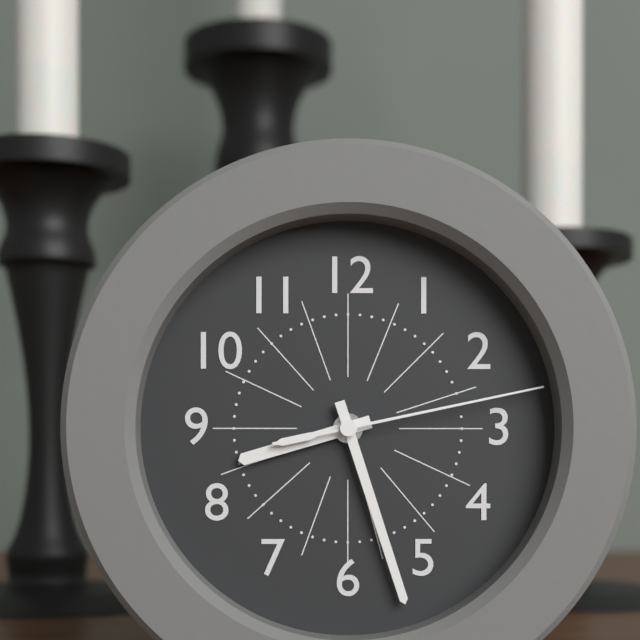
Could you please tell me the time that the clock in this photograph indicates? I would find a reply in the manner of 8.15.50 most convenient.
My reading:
8.27.13
